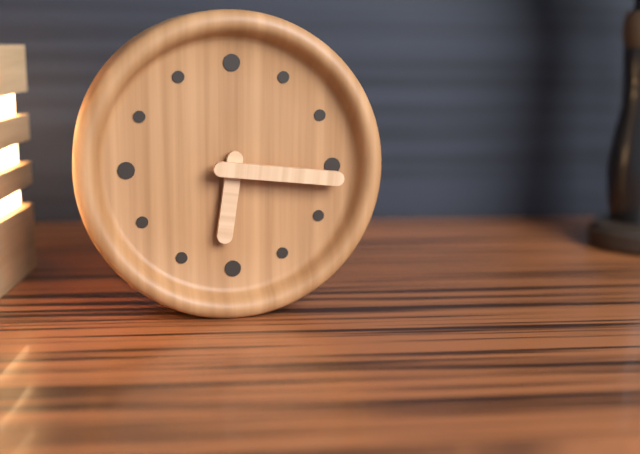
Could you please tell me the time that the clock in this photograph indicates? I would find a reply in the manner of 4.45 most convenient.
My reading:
6.16
